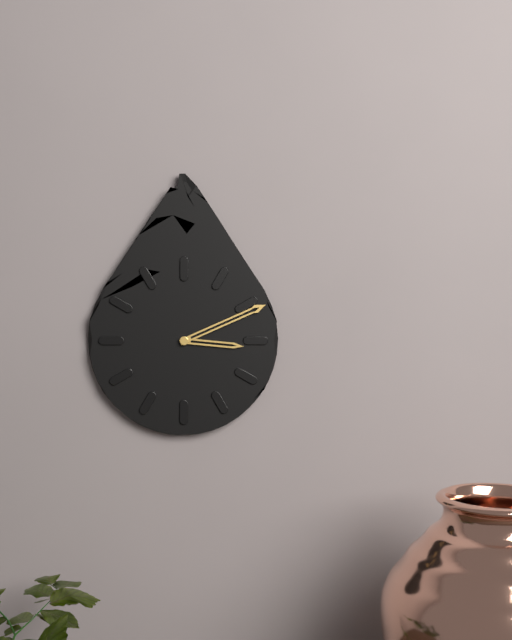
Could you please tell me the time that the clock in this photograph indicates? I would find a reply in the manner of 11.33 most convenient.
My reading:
3.11
